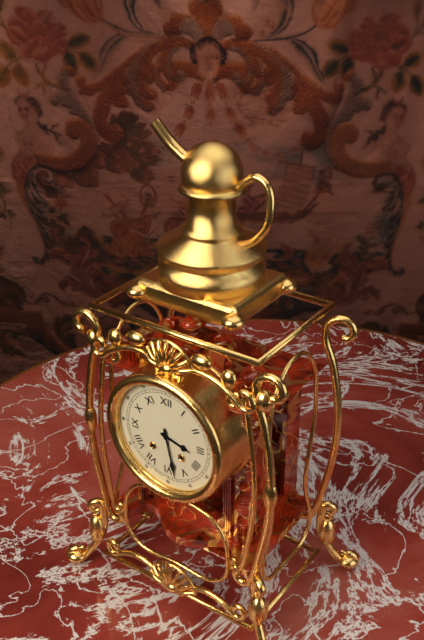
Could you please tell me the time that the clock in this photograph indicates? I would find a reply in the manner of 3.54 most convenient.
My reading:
3.28
